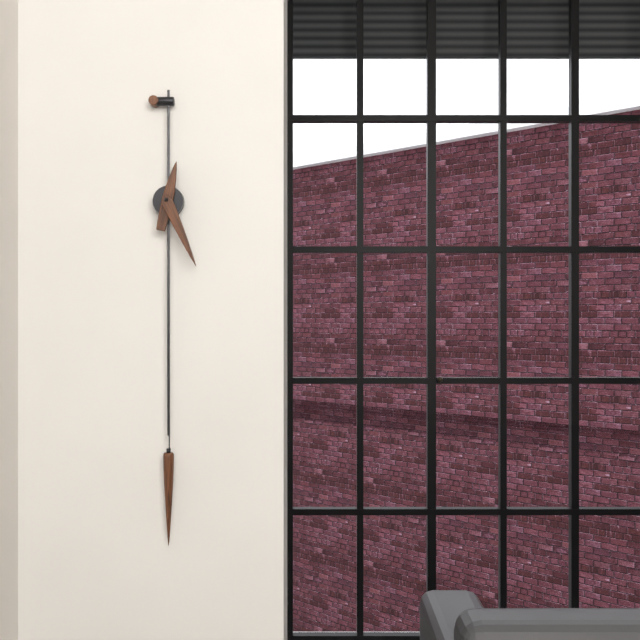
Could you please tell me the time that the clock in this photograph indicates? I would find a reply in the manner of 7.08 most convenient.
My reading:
12.26
